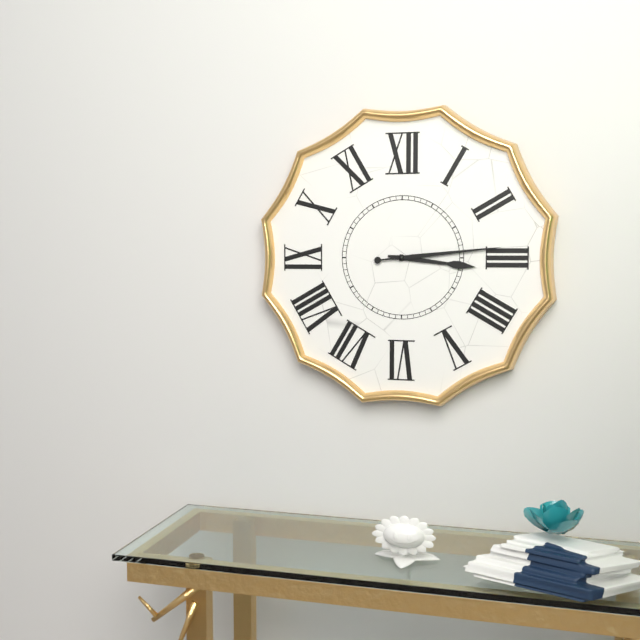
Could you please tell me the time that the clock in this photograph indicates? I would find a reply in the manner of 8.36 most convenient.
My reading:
3.14
